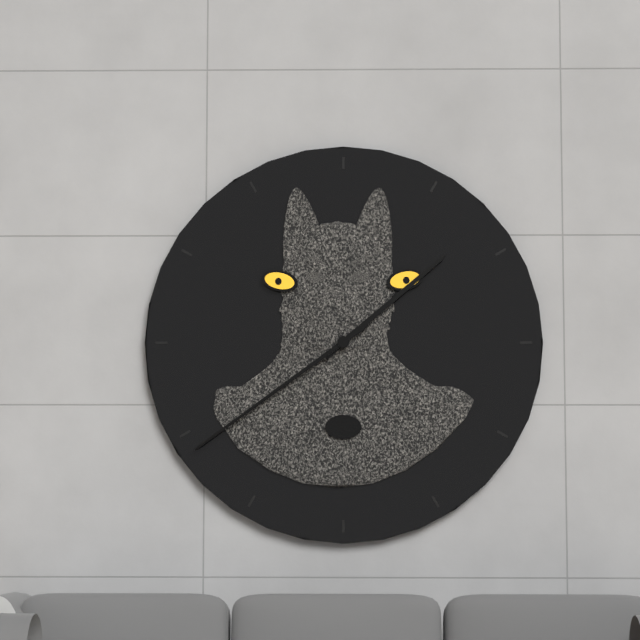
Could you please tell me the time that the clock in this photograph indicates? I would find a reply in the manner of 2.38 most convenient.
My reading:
1.39
